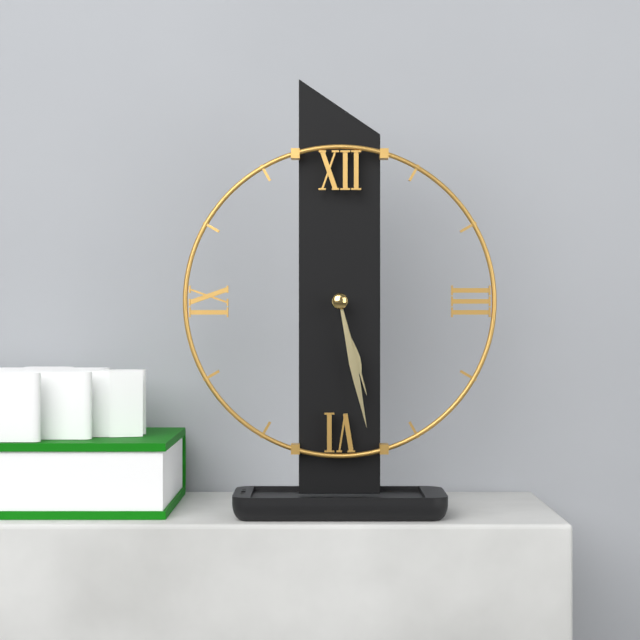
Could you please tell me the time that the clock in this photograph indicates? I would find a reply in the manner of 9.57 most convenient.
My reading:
5.28
